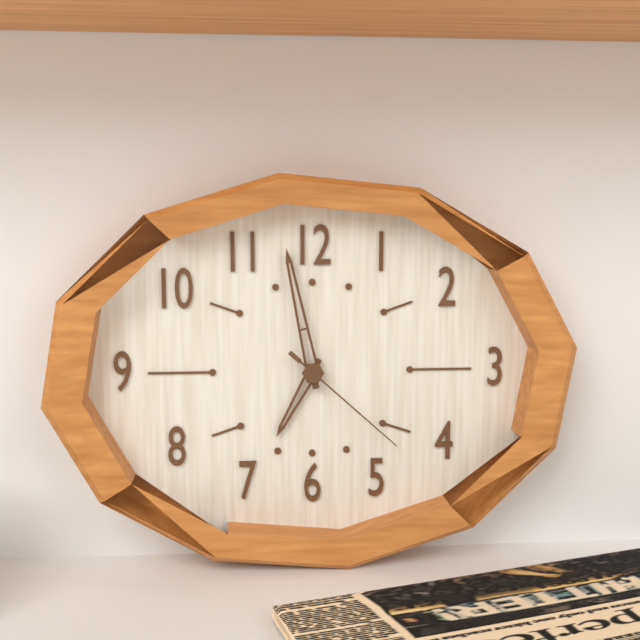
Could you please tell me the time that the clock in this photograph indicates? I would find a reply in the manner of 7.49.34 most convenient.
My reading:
6.58.22
